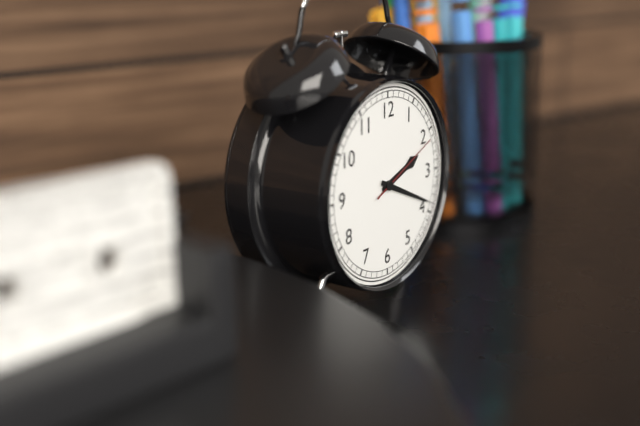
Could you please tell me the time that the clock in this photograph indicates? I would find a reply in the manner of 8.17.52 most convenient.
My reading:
2.19.11
